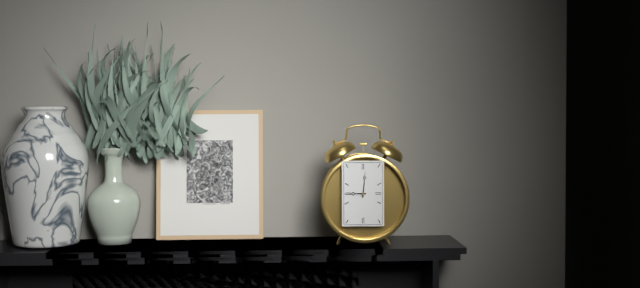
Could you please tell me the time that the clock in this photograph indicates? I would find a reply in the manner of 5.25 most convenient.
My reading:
9.01
